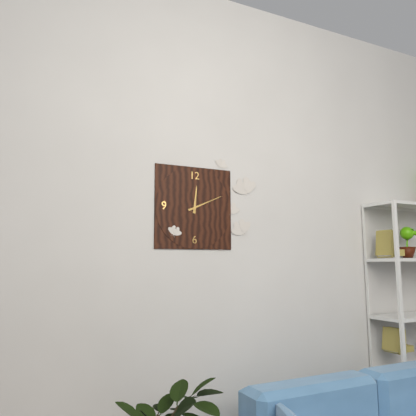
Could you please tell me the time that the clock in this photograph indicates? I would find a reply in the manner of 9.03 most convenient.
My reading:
12.11
